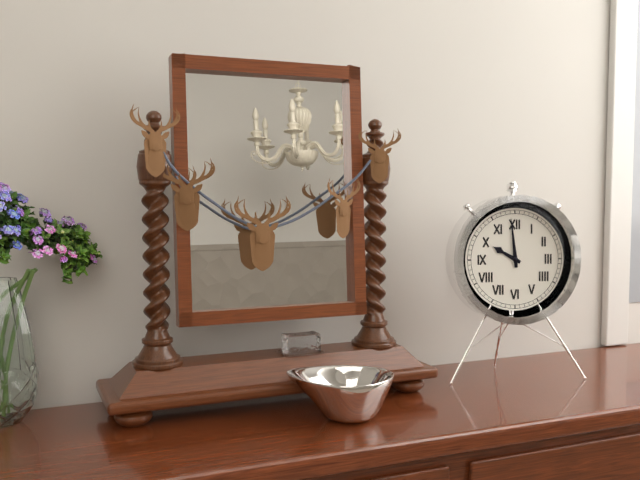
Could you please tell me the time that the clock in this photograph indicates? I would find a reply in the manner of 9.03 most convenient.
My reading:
9.59
